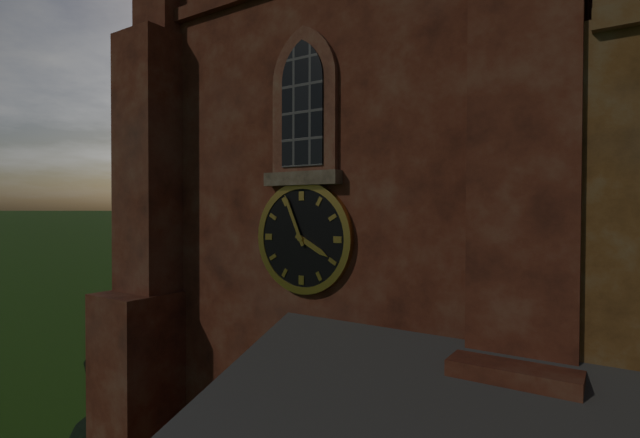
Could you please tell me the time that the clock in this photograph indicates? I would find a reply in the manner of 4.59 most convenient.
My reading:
3.56
